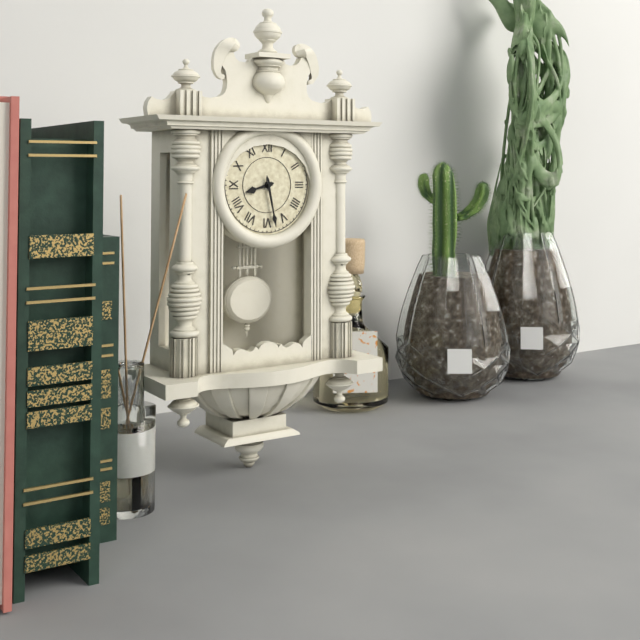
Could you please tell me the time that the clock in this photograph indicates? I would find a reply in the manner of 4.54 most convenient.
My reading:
8.28
